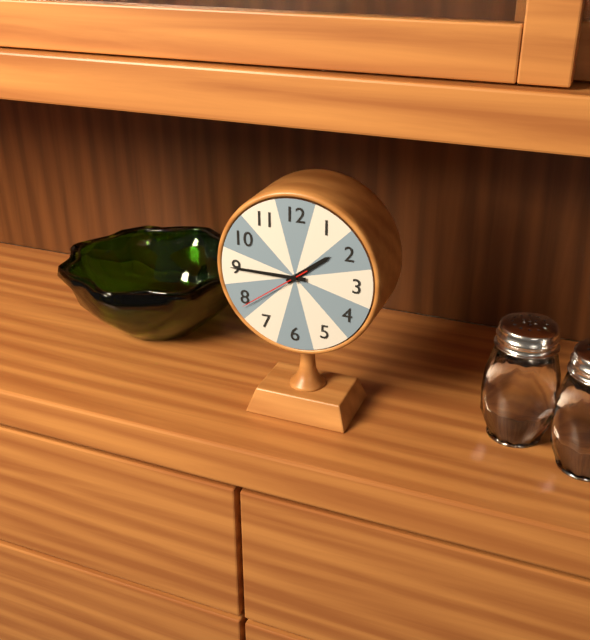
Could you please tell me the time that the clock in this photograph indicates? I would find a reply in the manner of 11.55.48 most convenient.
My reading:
1.45.39
